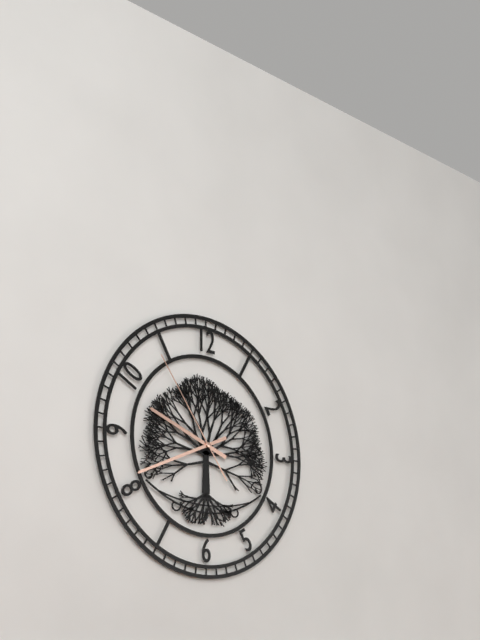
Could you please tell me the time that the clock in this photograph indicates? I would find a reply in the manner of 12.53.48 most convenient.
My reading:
9.41.54
